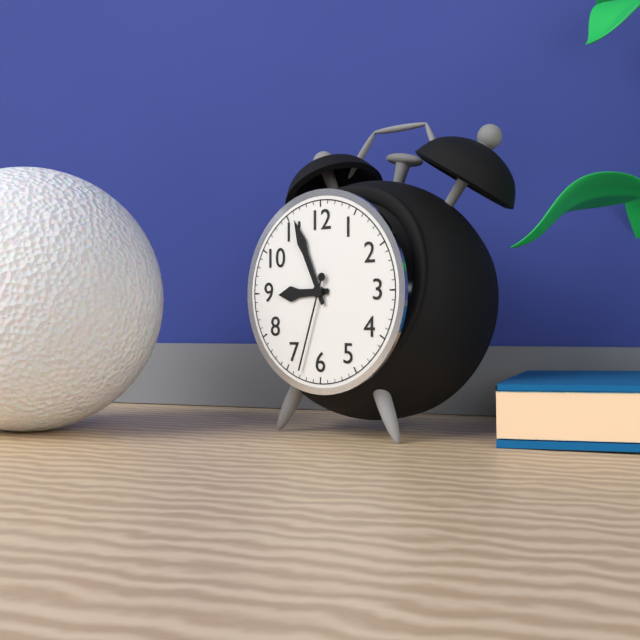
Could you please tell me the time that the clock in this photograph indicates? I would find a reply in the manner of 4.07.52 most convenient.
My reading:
8.56.33
